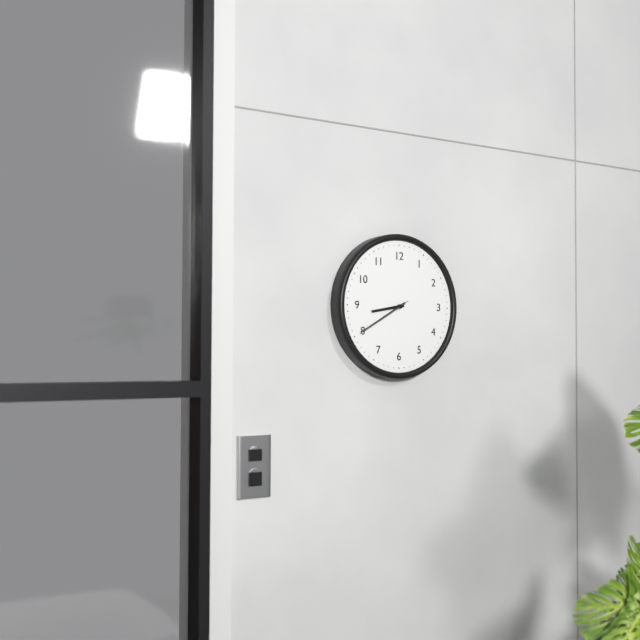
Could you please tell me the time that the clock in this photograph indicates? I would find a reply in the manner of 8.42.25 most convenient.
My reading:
8.40.40
